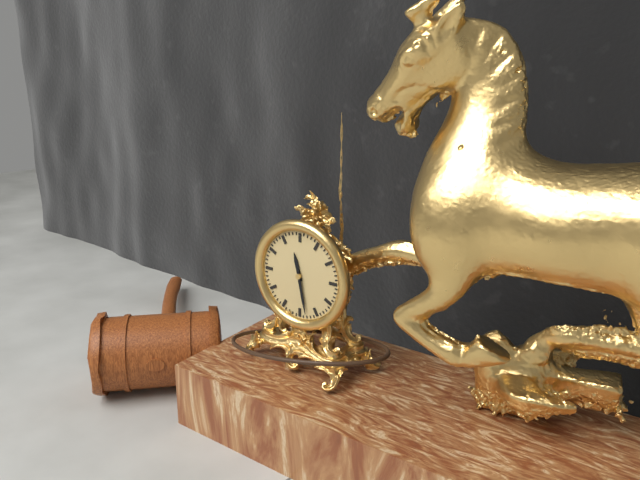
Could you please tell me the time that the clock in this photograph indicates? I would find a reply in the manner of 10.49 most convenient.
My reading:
11.28
